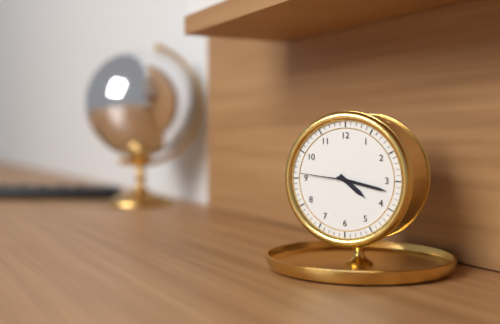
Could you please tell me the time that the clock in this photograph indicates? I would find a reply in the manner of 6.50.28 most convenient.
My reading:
4.17.46
